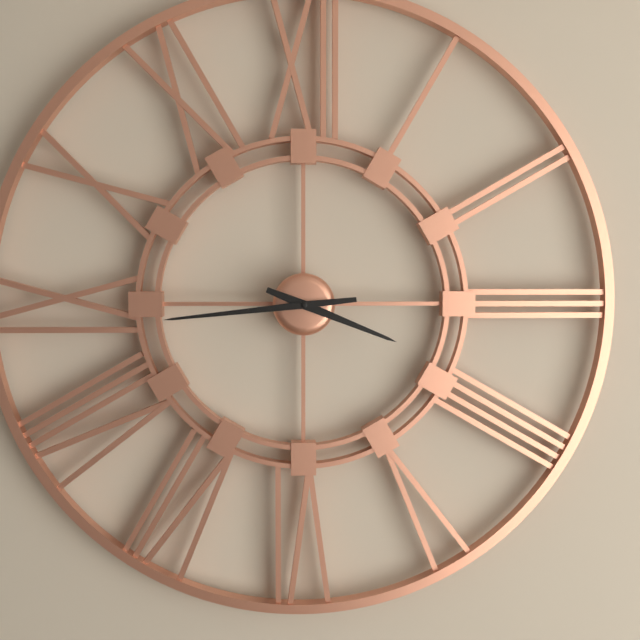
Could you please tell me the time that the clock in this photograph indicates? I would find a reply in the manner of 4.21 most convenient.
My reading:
3.44
